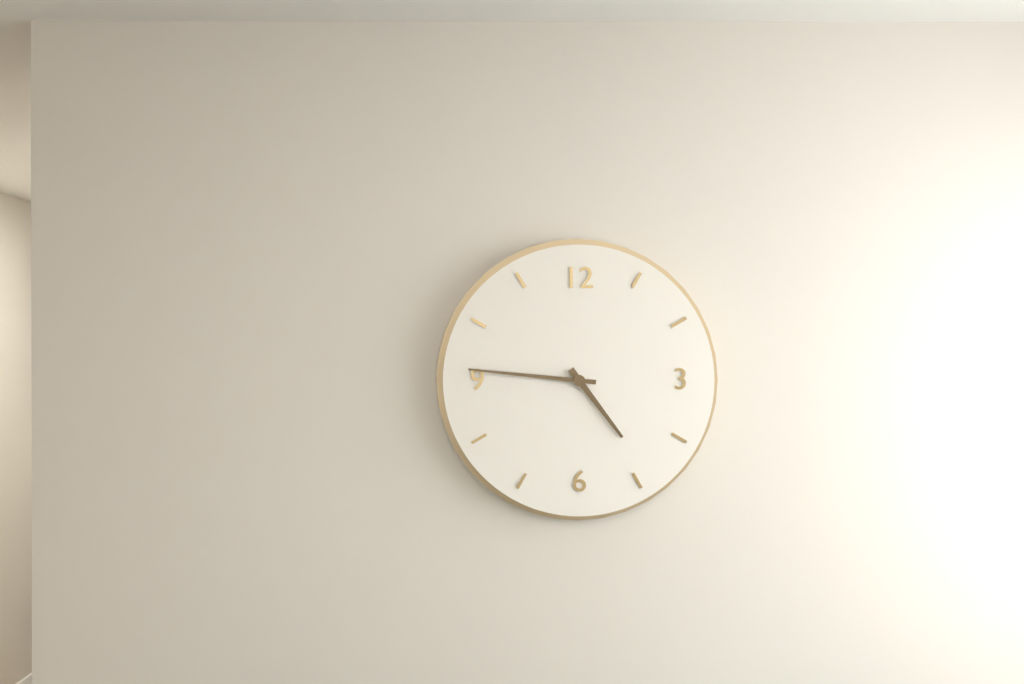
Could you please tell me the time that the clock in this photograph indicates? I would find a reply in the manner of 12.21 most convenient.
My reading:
4.46
